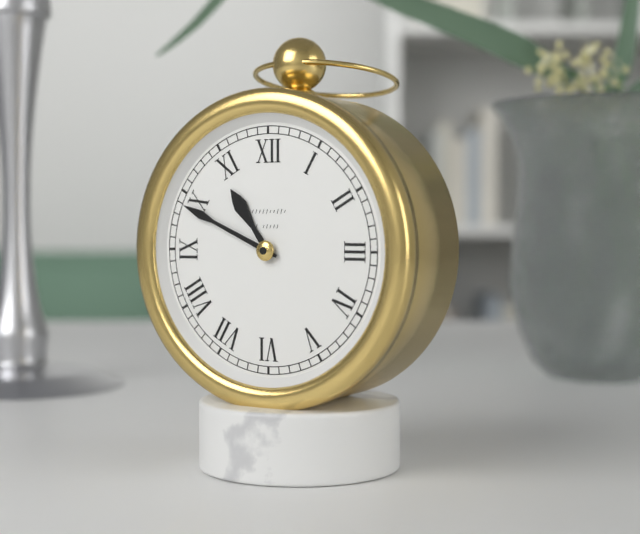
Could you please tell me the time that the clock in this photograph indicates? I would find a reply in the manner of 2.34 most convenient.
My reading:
10.49
